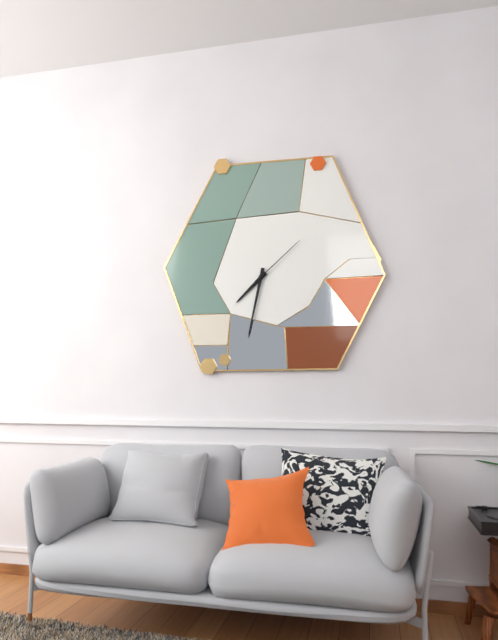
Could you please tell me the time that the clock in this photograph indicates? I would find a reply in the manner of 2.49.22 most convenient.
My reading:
7.32.08
